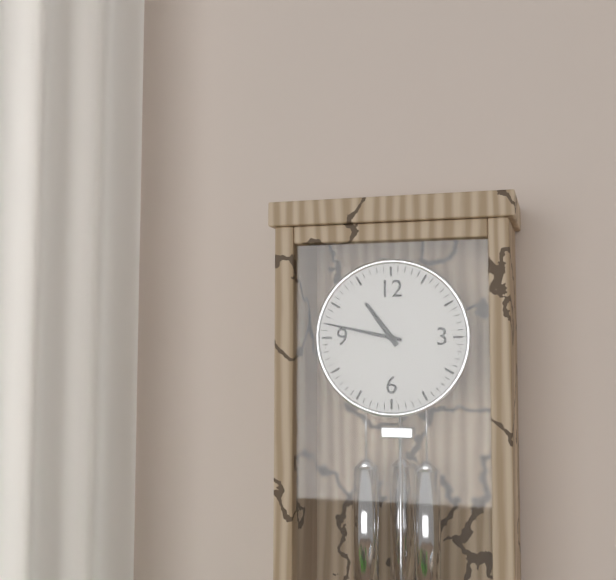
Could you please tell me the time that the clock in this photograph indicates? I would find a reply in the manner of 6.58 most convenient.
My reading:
10.47
